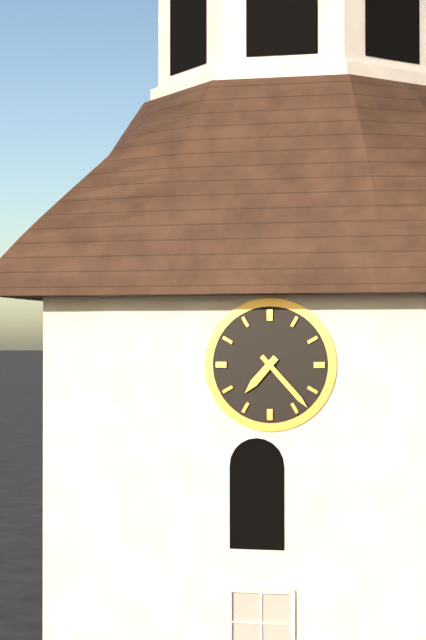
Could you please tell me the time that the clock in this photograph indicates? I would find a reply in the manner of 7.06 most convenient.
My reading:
7.23
